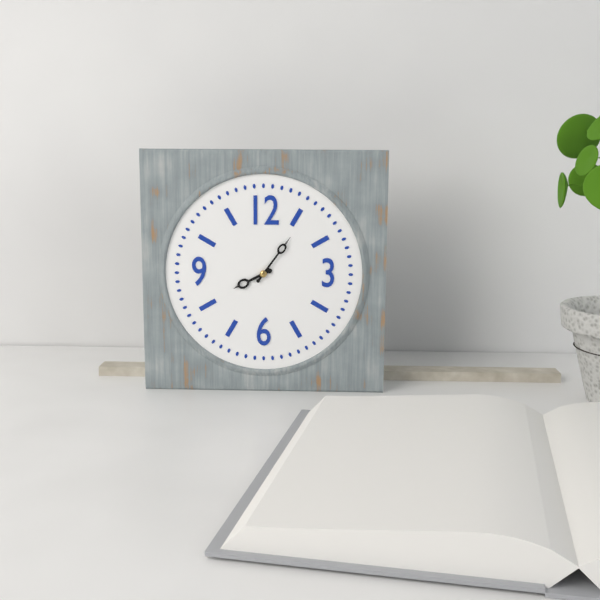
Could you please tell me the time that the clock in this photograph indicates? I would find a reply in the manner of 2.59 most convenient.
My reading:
8.06
